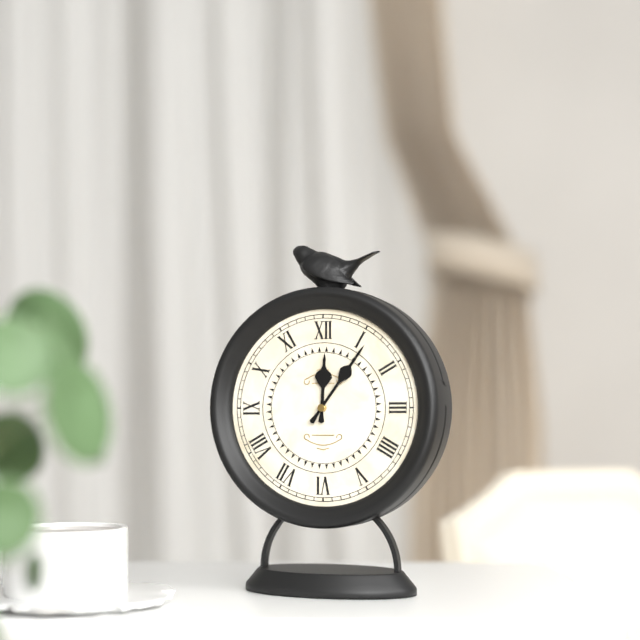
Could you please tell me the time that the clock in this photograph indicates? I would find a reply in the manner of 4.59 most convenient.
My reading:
12.06
